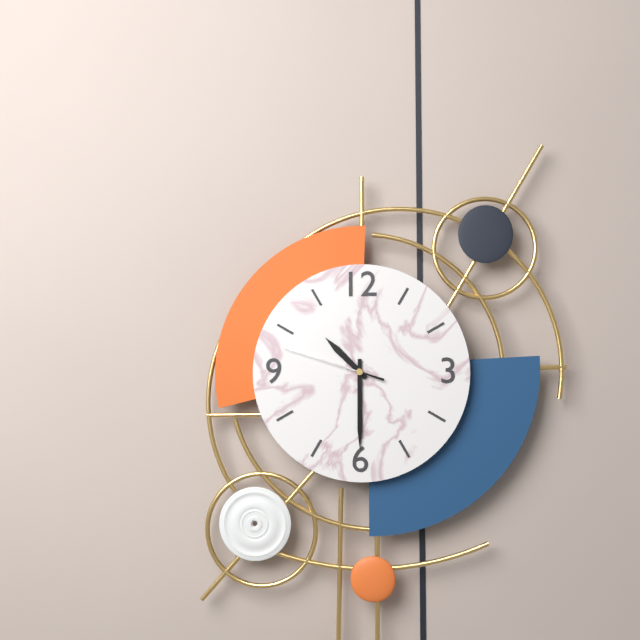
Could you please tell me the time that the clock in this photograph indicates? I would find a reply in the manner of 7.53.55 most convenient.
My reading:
10.30.48
